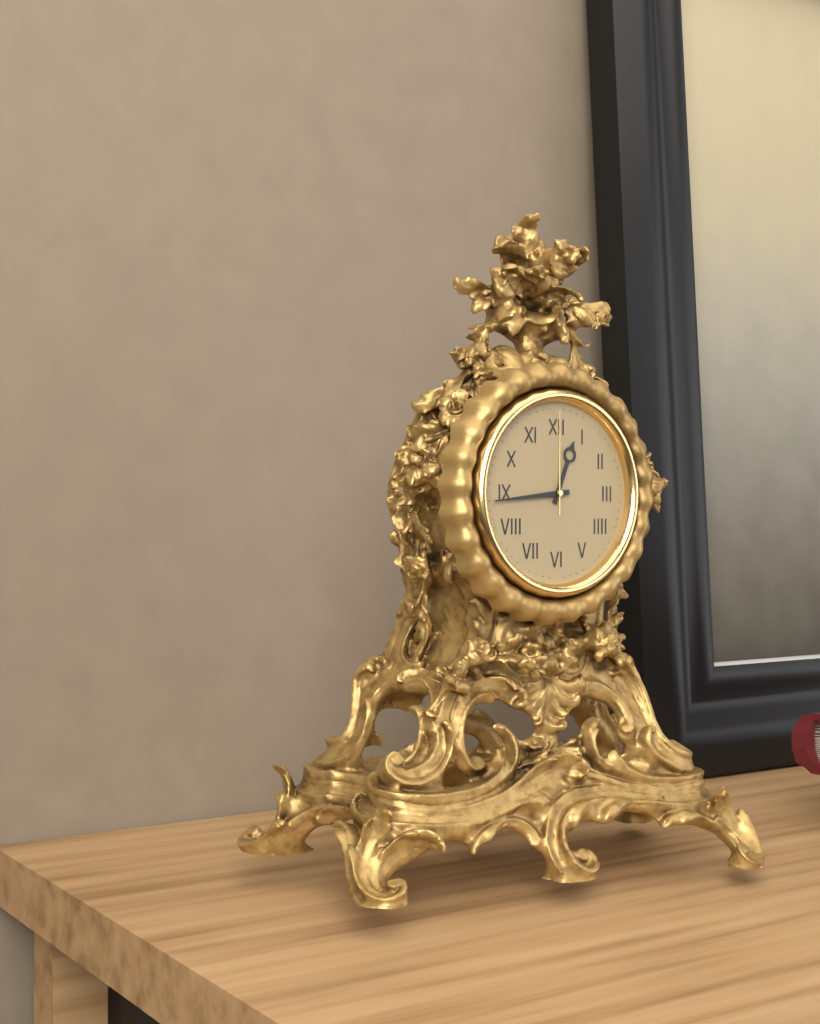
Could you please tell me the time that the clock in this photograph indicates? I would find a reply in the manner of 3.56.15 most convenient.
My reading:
12.44.00
